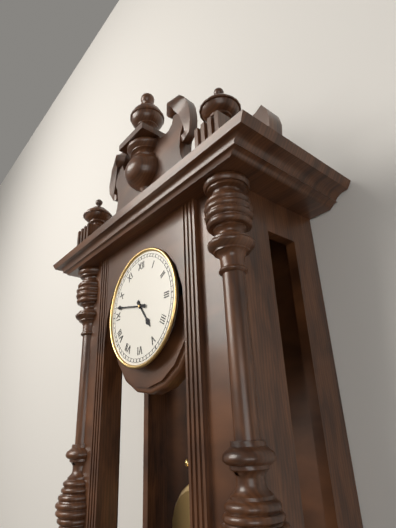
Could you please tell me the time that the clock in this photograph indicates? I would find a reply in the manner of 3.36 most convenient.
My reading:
4.47
